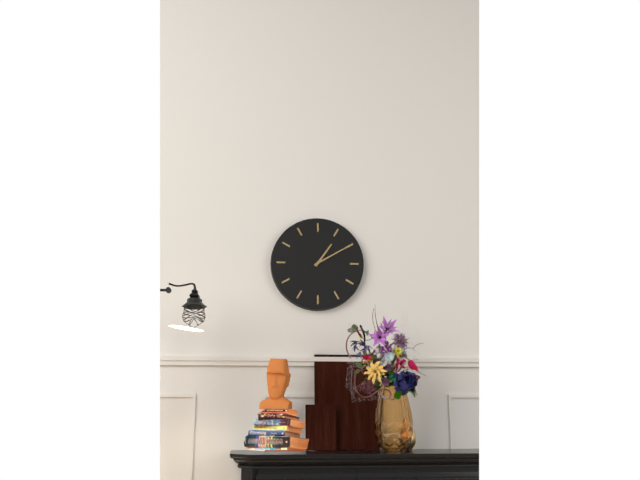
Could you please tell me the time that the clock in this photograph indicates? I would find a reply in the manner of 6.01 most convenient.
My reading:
1.10
